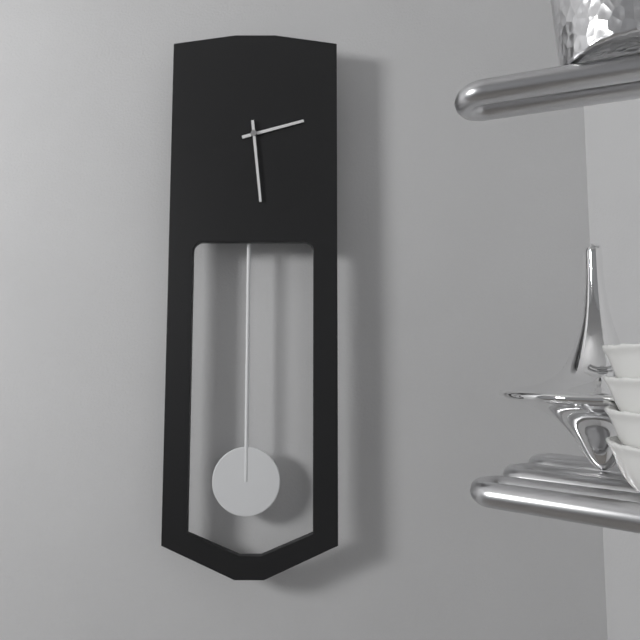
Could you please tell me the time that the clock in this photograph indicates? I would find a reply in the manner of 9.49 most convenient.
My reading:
2.29
